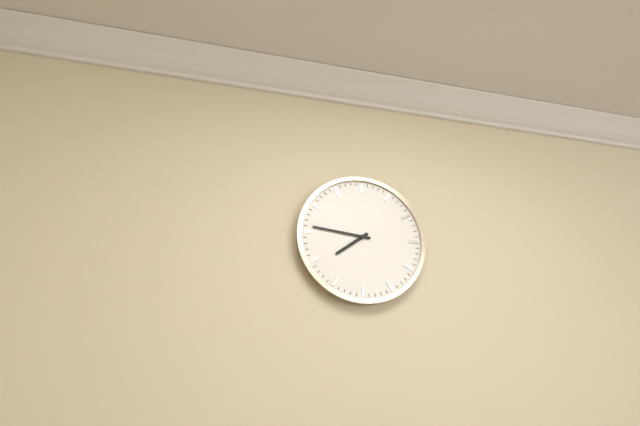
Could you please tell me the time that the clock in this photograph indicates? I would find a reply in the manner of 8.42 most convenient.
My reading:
7.46
